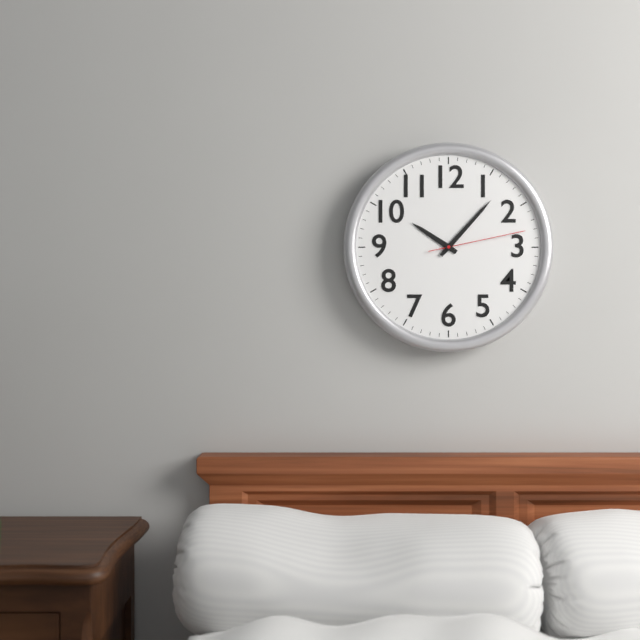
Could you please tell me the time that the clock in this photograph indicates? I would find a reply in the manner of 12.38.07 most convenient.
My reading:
10.07.13
